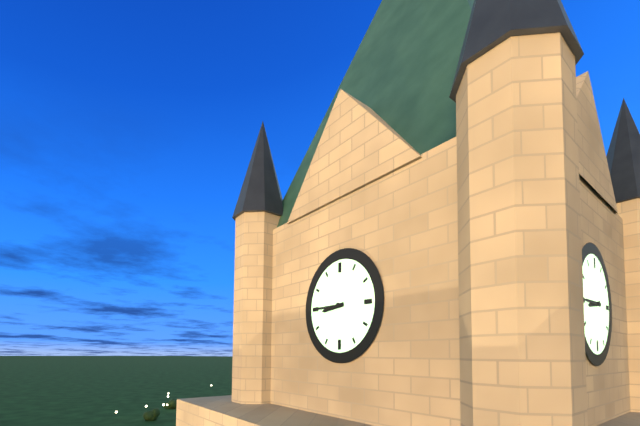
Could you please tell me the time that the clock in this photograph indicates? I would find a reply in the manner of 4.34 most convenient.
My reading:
8.45
